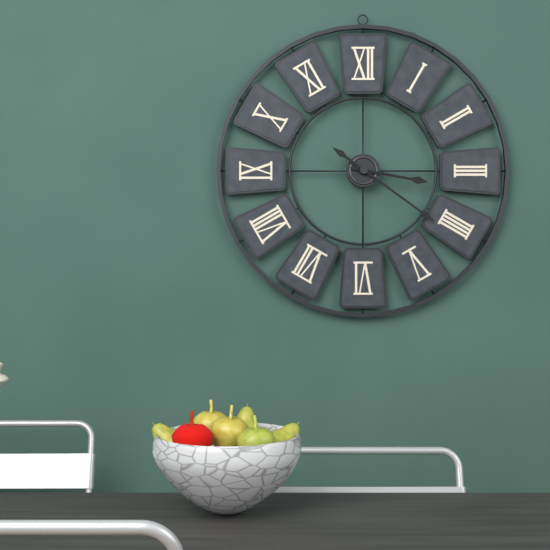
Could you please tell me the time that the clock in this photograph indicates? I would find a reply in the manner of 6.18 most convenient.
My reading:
3.21
